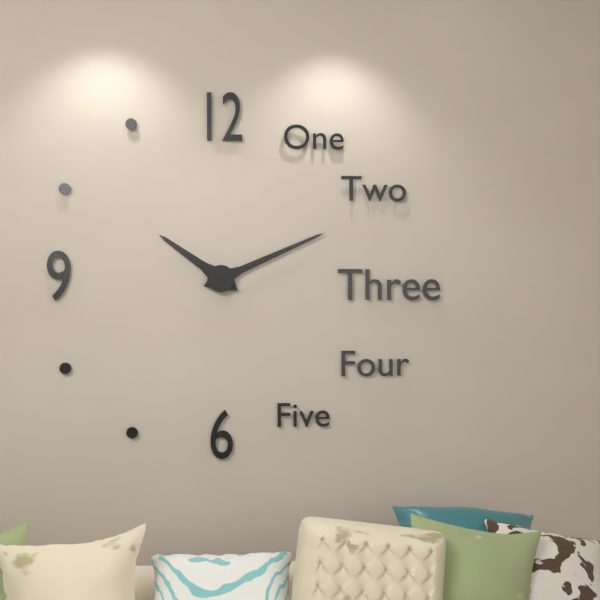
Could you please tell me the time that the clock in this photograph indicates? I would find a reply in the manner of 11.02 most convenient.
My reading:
10.11
